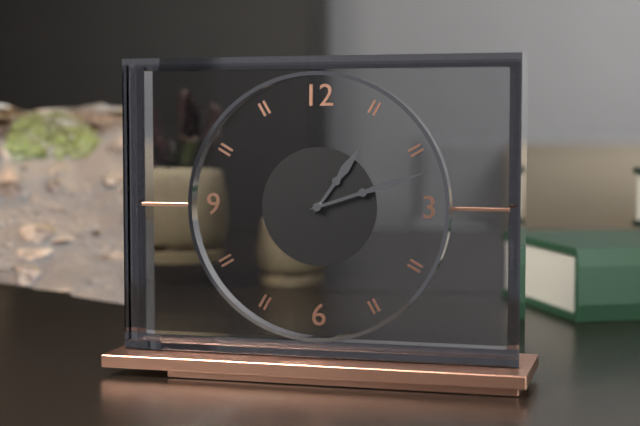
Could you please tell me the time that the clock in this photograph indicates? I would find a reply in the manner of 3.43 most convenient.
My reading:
1.12
